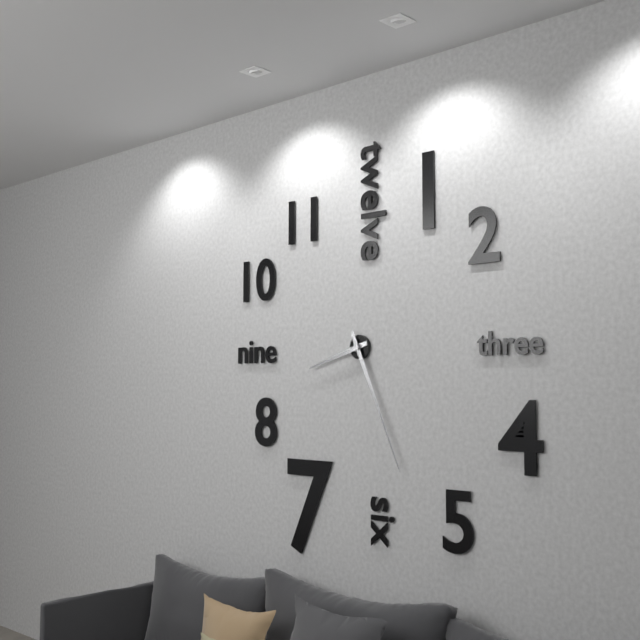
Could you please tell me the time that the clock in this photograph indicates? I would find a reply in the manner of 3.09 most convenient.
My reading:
8.26
